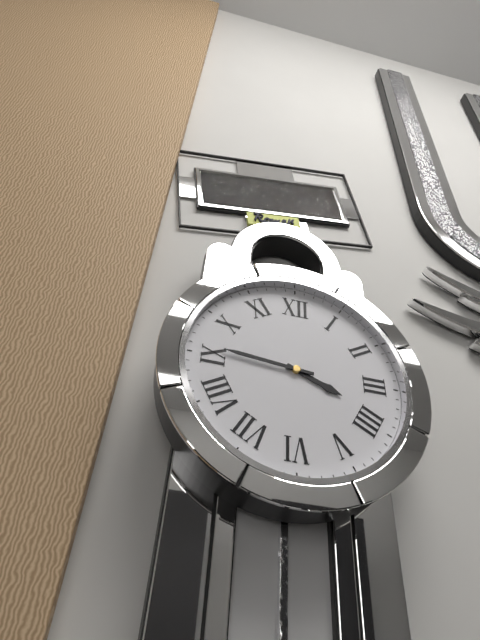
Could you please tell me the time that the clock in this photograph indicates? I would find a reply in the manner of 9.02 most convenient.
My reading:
3.46
